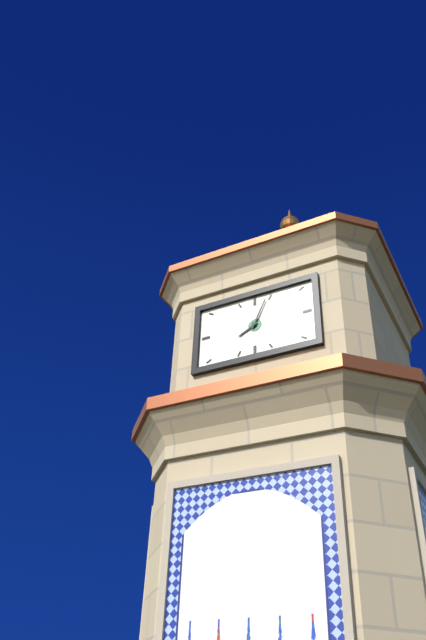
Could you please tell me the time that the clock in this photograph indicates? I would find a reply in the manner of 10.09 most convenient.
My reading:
8.04
